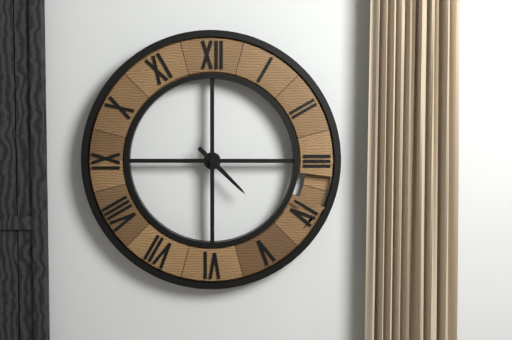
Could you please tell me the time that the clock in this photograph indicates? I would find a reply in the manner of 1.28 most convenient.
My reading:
4.30
